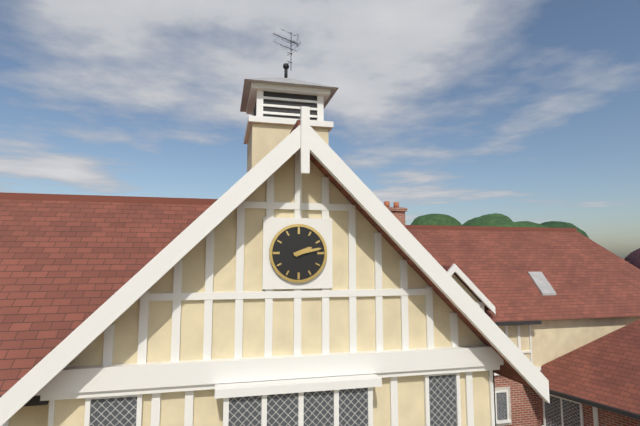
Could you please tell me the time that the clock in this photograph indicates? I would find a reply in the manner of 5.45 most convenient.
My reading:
2.13
